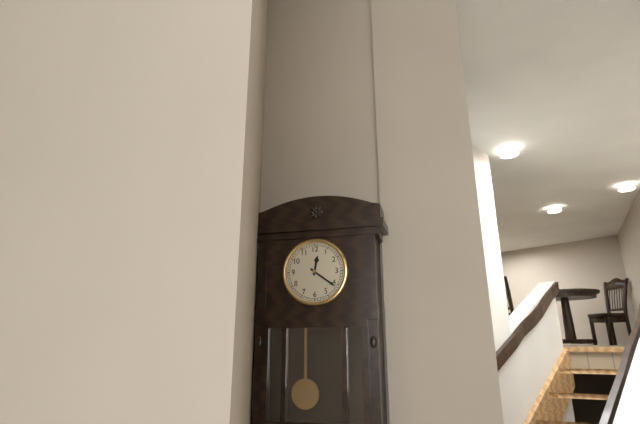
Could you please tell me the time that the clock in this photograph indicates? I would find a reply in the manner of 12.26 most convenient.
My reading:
12.21
